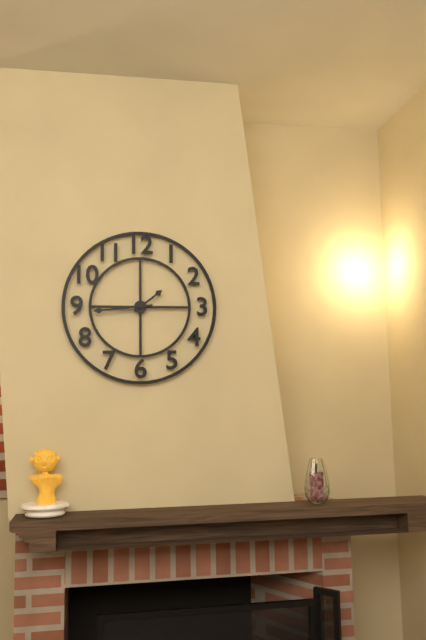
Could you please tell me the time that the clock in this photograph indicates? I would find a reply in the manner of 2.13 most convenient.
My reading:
1.44
